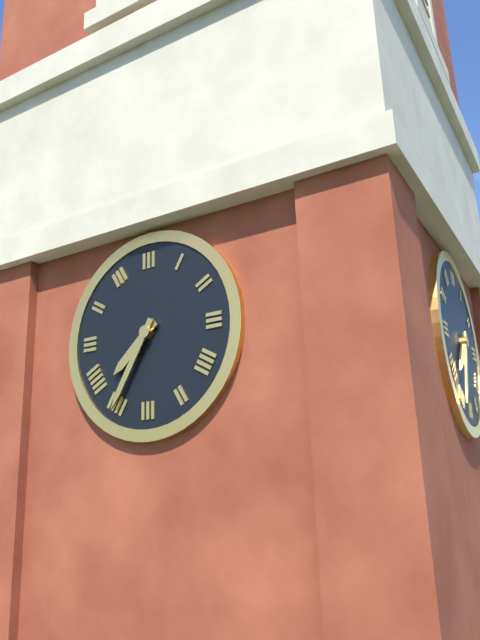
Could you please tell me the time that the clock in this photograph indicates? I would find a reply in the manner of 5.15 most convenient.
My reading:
7.35
